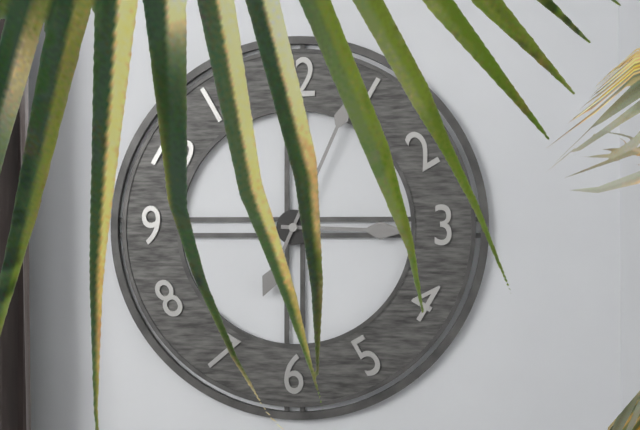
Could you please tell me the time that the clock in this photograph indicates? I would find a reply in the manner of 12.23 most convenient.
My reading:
3.04
